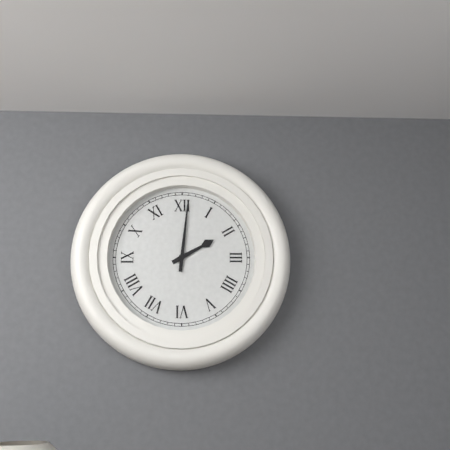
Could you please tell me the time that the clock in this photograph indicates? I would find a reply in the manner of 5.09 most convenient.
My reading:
2.01
